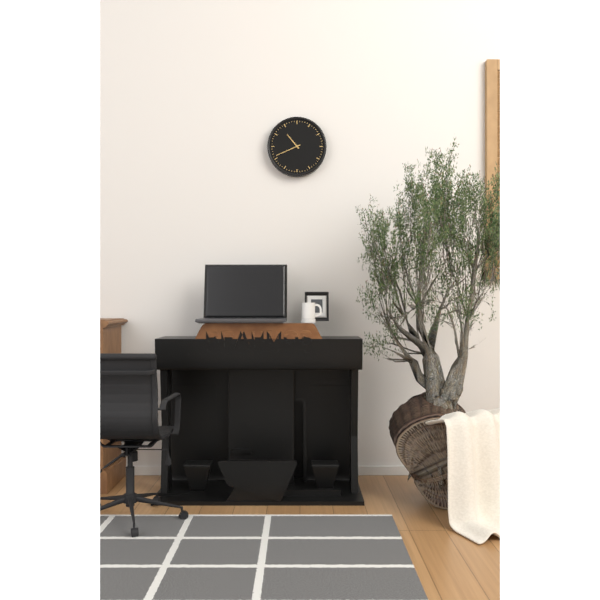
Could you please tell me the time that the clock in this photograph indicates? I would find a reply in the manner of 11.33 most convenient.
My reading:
10.41
